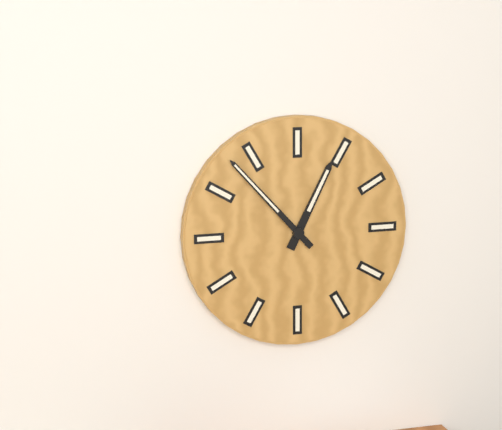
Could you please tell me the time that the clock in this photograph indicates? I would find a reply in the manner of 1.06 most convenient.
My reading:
12.53
